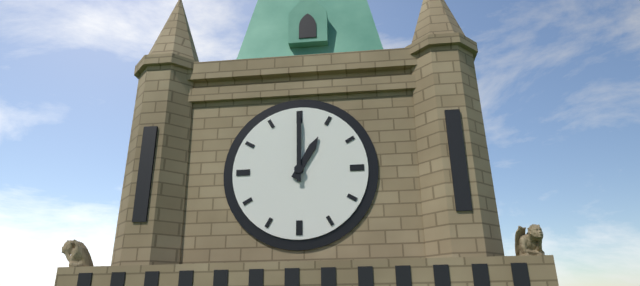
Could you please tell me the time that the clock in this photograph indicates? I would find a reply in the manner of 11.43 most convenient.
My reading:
1.00
